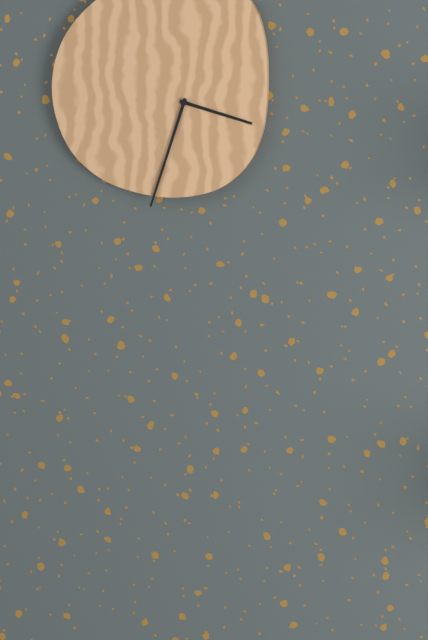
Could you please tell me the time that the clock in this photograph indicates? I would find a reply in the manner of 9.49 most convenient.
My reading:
3.33
